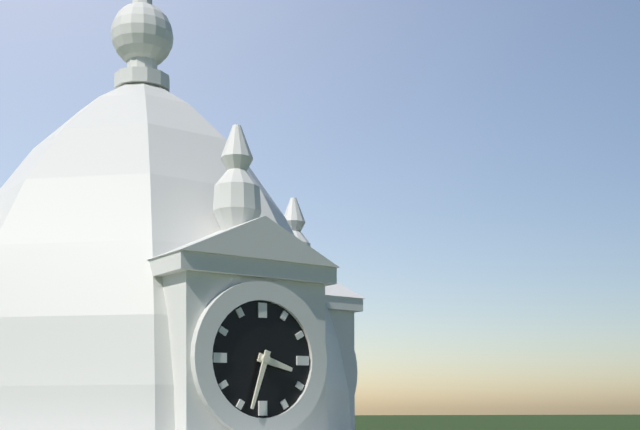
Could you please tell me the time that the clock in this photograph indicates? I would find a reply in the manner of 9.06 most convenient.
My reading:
3.33
